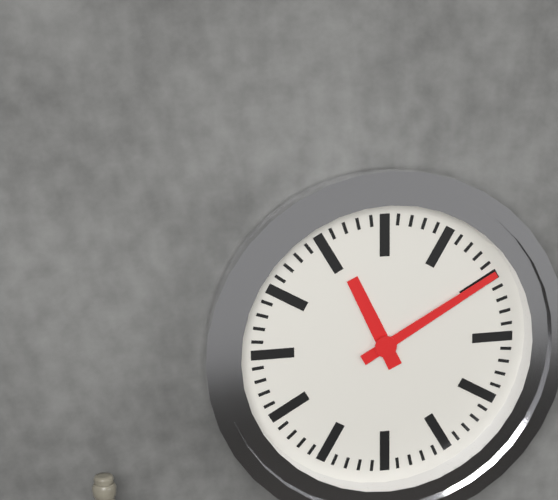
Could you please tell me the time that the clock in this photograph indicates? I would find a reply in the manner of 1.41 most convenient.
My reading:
11.10
